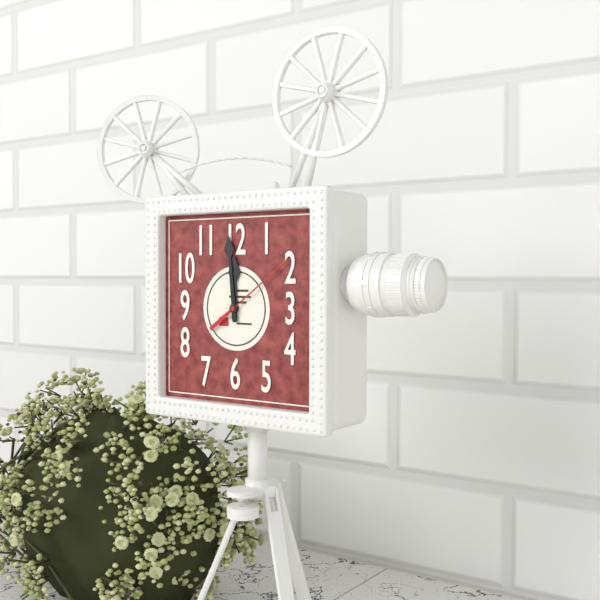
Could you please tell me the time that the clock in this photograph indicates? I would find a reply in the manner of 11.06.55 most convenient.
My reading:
11.59.09
